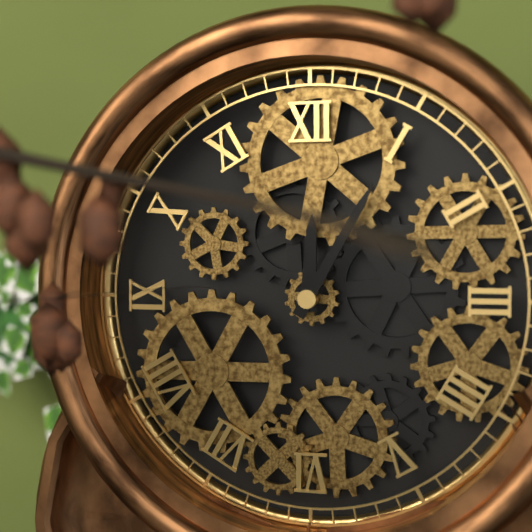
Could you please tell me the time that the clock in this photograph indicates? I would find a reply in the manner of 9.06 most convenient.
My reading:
12.05
